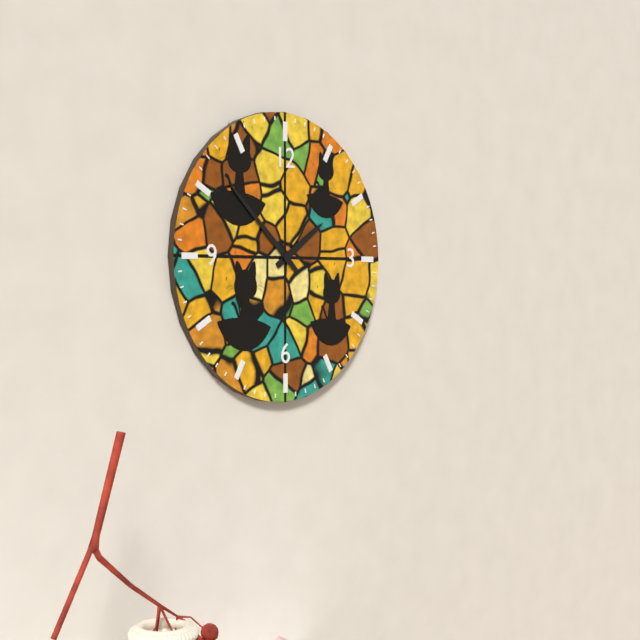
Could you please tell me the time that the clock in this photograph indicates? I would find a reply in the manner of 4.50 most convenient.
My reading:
1.52
